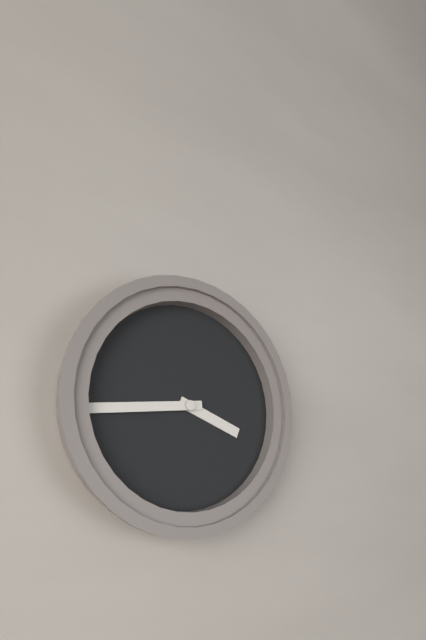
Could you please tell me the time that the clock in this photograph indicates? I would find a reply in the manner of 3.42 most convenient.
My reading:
3.44
